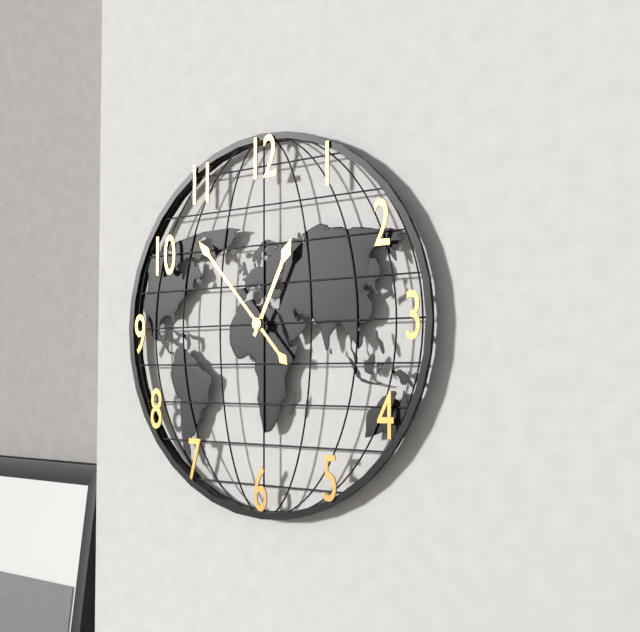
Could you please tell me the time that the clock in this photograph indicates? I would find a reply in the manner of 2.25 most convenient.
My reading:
12.53
